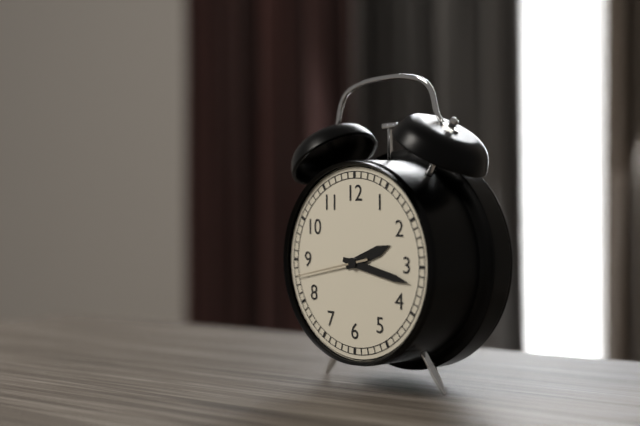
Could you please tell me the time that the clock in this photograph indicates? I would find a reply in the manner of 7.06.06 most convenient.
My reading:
2.17.43
